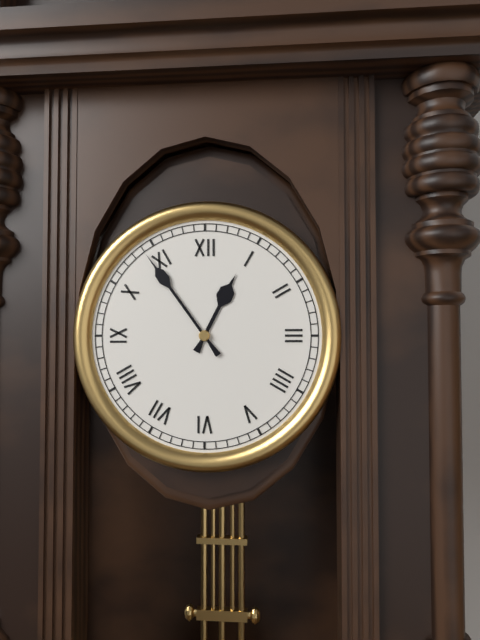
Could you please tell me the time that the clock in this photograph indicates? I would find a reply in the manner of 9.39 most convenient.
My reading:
12.54
